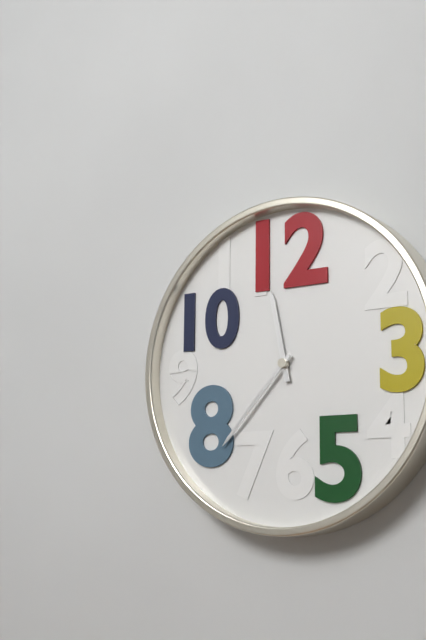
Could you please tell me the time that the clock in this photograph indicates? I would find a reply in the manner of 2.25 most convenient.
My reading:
11.37
